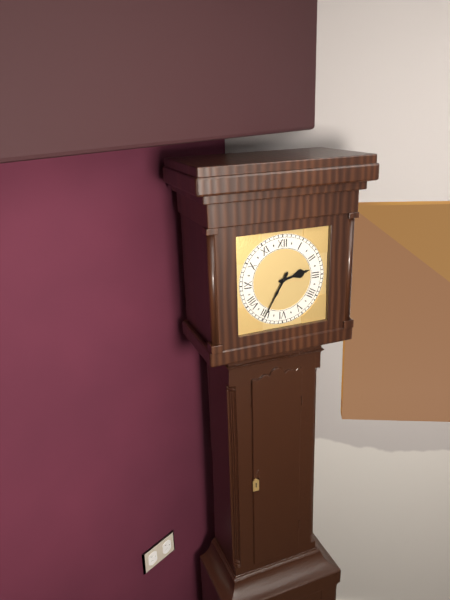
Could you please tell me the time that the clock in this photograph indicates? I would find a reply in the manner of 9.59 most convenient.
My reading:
2.35
